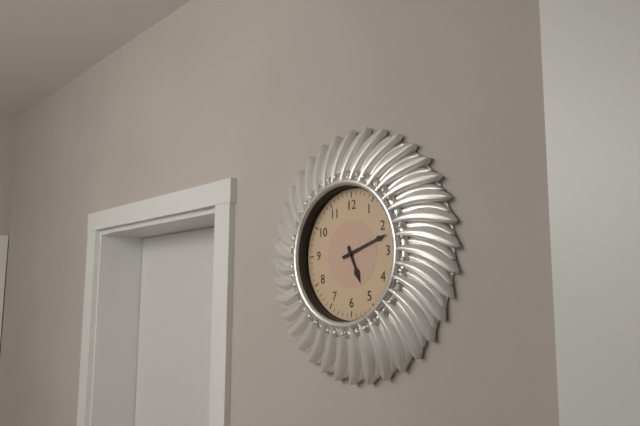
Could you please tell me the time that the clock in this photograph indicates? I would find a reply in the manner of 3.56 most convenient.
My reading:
5.12
